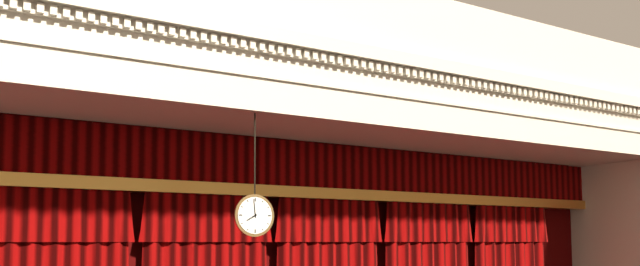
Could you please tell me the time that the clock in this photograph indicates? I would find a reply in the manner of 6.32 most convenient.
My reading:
7.59
